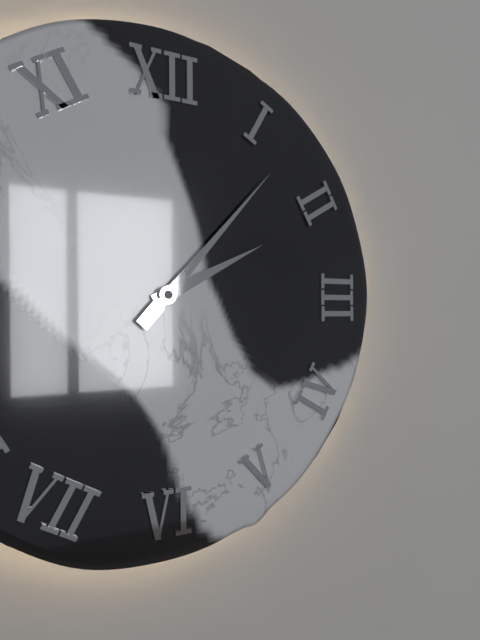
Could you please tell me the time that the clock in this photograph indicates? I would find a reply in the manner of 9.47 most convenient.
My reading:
2.07
